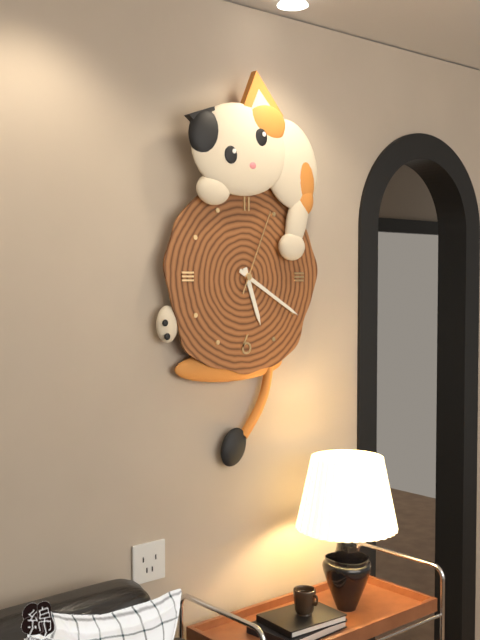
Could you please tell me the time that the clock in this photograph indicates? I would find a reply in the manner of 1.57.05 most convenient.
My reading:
5.20.04
